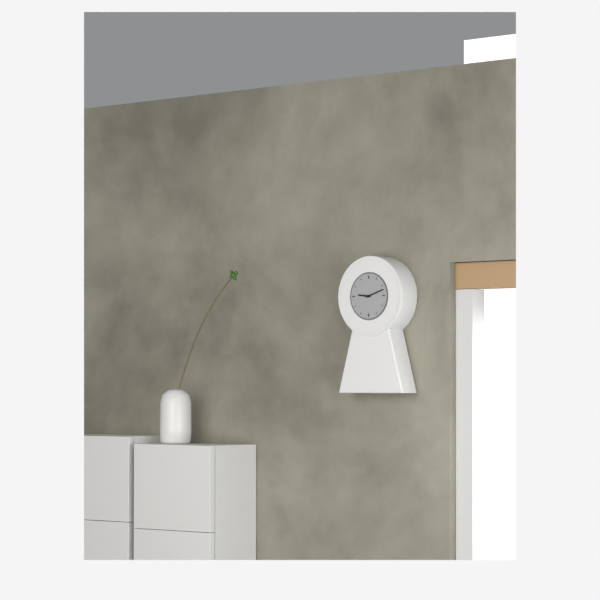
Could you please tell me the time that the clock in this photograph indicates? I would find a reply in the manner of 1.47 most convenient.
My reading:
9.12
